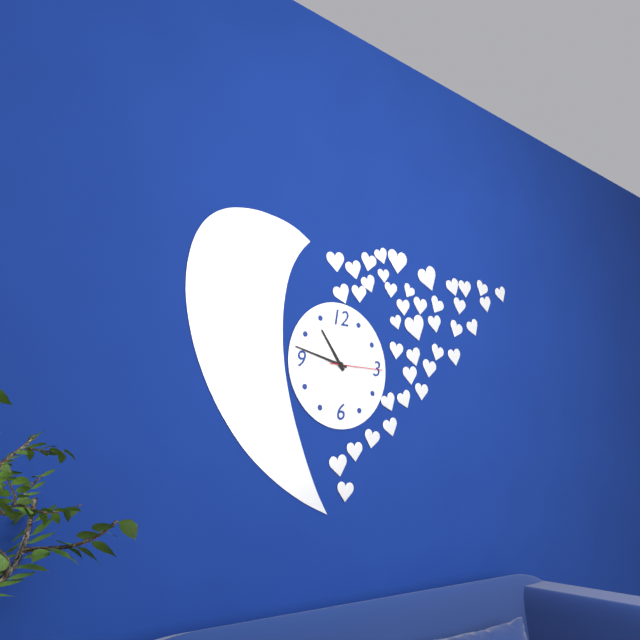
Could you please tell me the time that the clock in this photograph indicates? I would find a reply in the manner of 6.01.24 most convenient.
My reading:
10.47.15
